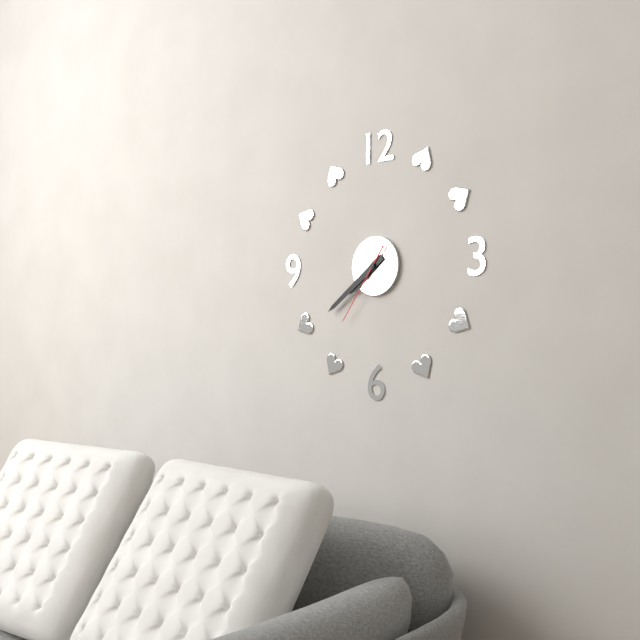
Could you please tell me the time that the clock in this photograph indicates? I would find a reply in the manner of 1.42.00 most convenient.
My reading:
7.39.36
